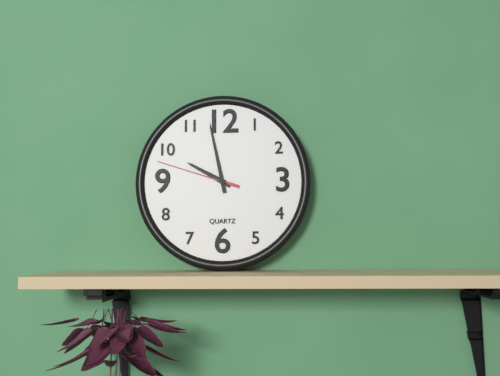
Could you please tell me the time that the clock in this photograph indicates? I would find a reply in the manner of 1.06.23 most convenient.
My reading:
9.58.48
